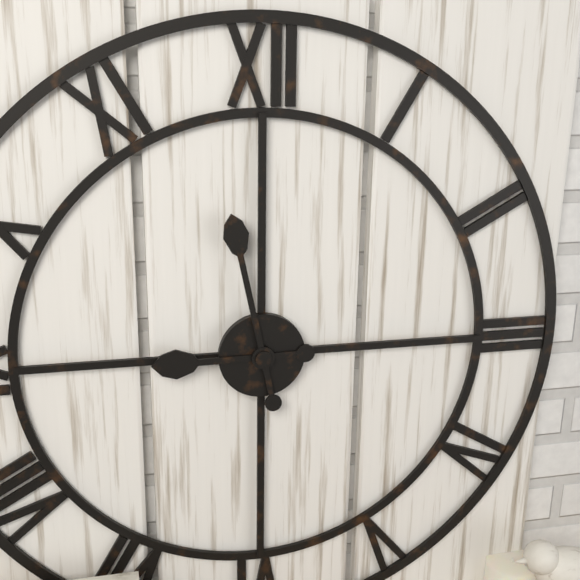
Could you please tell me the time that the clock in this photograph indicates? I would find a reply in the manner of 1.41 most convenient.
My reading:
8.58
